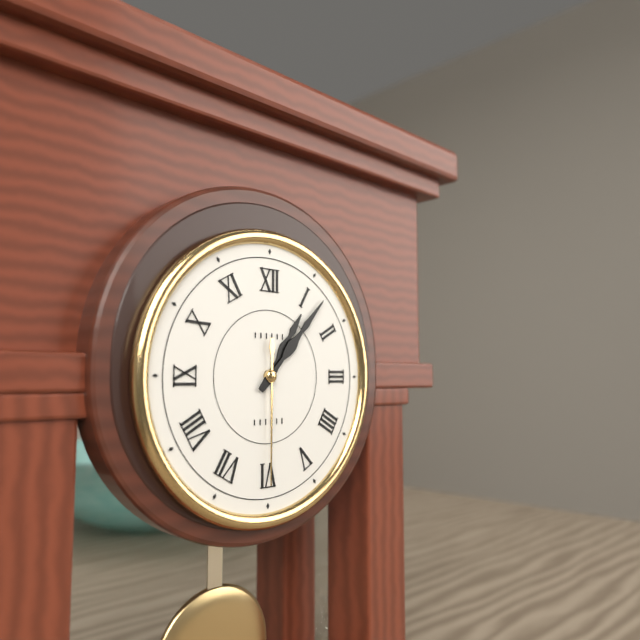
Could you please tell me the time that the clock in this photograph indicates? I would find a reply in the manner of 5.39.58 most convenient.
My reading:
1.07.30
